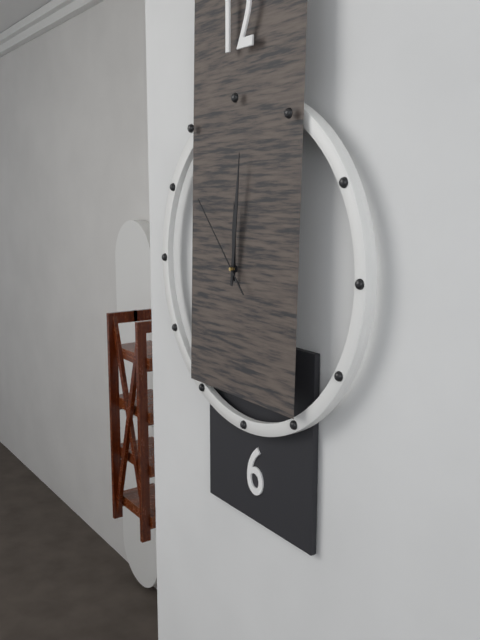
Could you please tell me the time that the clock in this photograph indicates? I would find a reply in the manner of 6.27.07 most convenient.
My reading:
12.01.53
